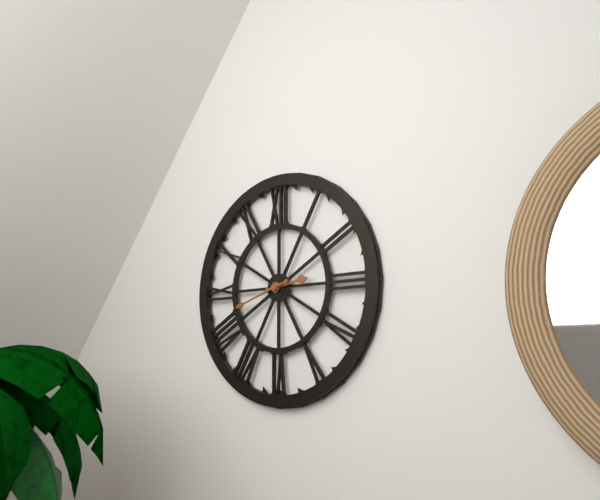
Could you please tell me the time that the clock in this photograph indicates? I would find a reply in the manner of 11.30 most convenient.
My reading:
2.42
